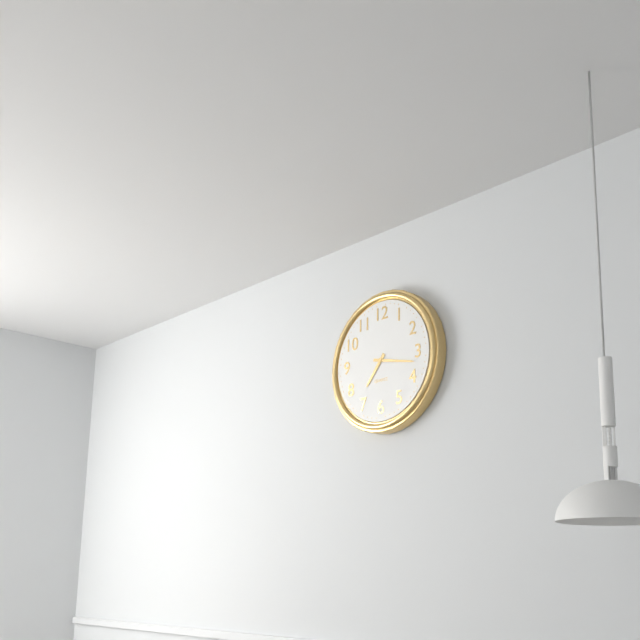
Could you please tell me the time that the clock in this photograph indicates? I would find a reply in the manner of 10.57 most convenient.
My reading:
7.17
